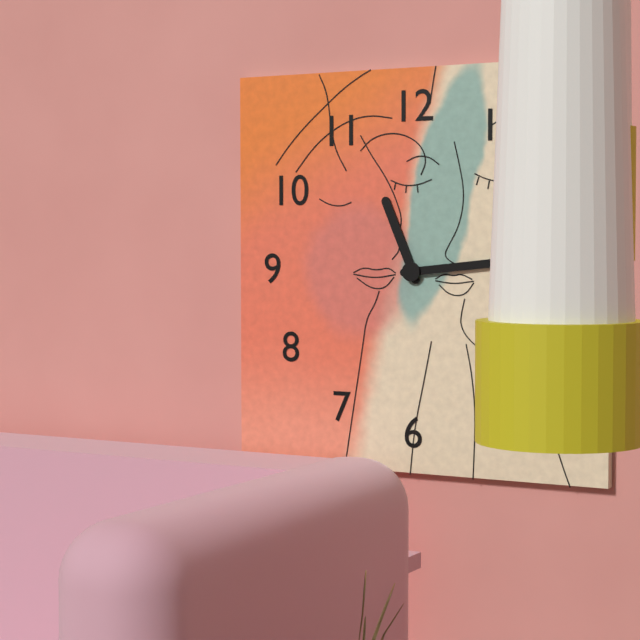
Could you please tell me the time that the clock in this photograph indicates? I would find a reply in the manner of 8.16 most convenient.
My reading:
11.14
